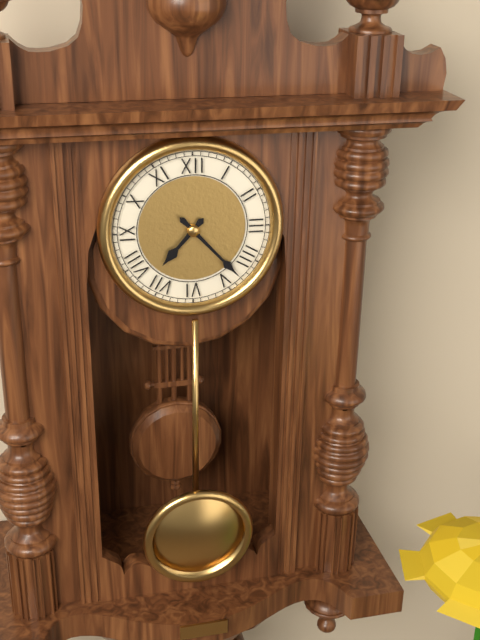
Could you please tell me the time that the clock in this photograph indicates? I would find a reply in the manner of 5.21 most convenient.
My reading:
7.23
